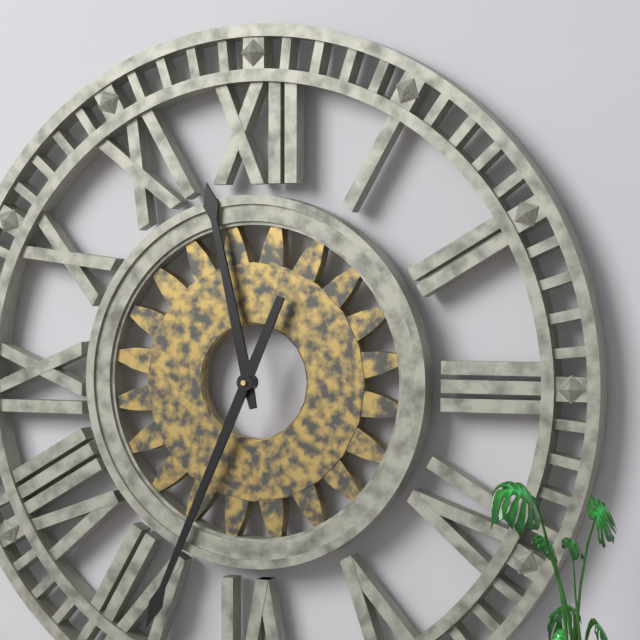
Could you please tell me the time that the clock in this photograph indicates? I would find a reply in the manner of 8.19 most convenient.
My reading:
11.34
